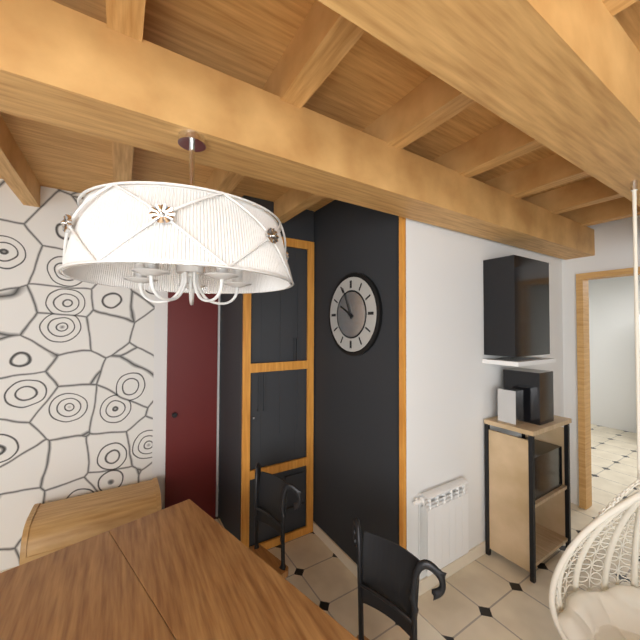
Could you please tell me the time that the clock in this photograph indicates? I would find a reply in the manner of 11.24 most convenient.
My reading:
9.56
